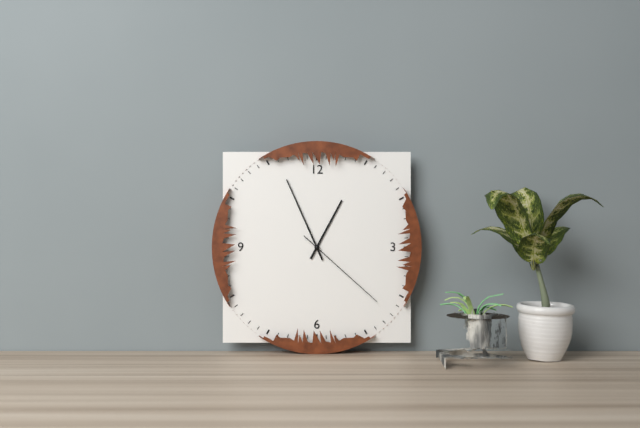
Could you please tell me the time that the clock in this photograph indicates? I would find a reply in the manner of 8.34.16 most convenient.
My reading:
12.56.22
